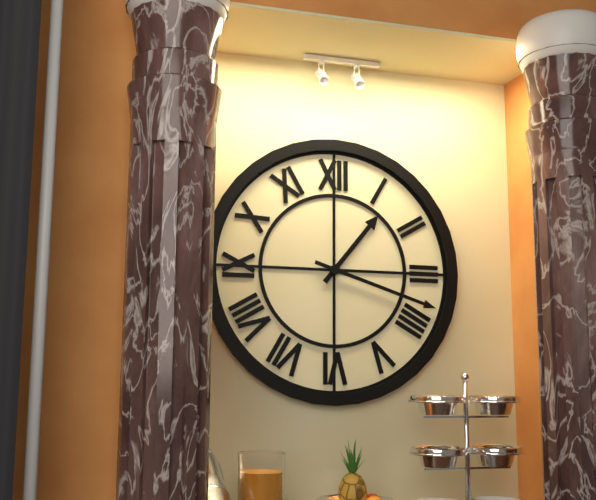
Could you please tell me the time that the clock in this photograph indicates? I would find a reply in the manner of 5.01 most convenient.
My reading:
1.18
